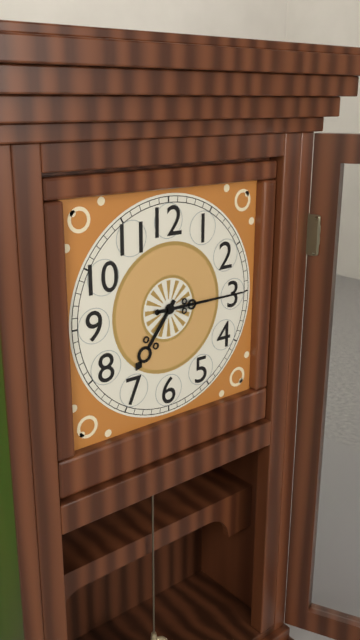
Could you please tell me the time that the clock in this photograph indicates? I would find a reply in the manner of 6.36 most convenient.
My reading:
7.15
